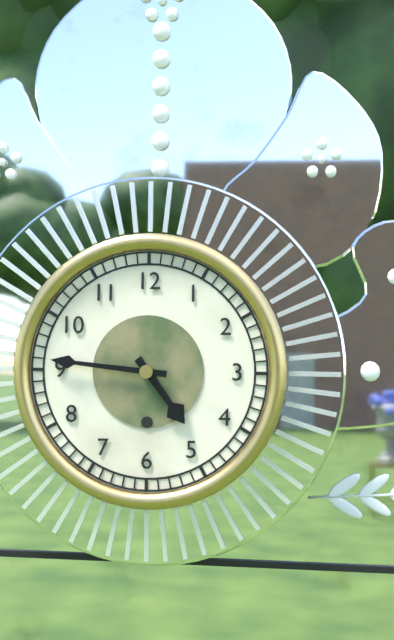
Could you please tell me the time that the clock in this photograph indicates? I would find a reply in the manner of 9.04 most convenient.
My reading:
4.46
